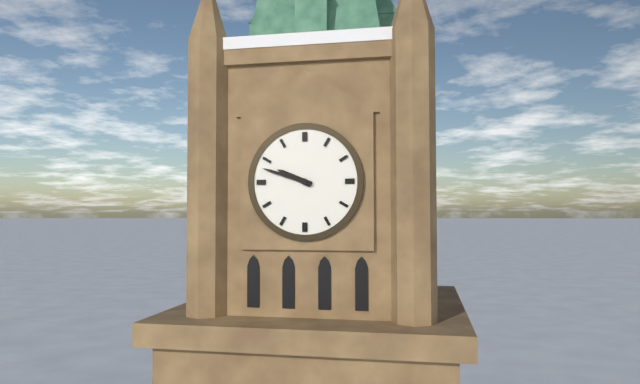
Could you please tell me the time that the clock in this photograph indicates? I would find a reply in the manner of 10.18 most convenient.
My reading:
9.48
